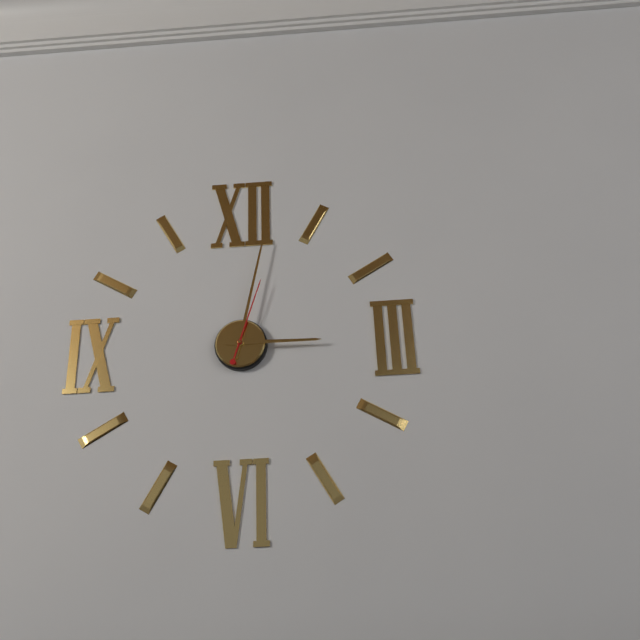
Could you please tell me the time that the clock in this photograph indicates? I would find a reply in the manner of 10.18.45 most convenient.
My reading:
3.02.03
